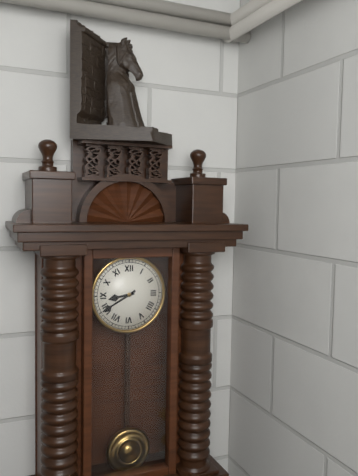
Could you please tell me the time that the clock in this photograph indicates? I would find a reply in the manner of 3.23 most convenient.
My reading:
8.40
